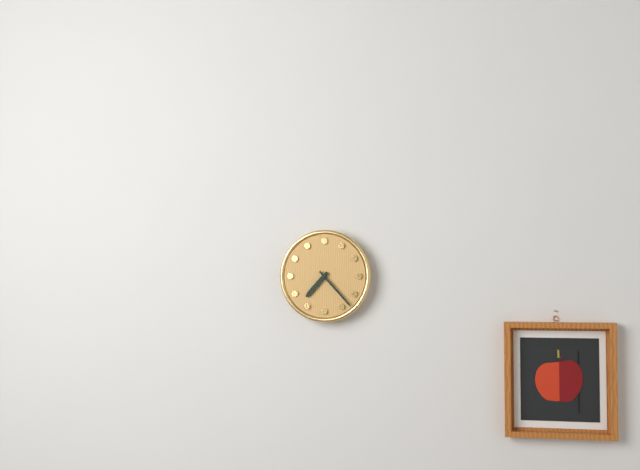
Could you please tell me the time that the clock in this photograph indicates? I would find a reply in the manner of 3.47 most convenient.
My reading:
7.23
